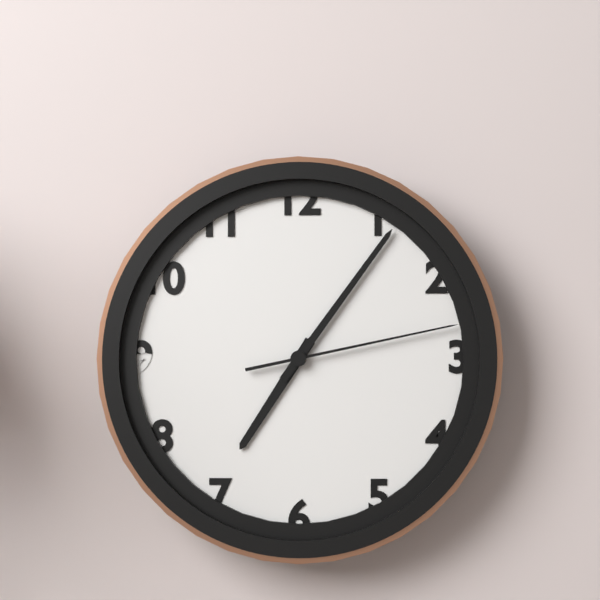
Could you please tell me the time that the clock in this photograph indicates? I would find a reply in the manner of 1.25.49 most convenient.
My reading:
7.06.13
